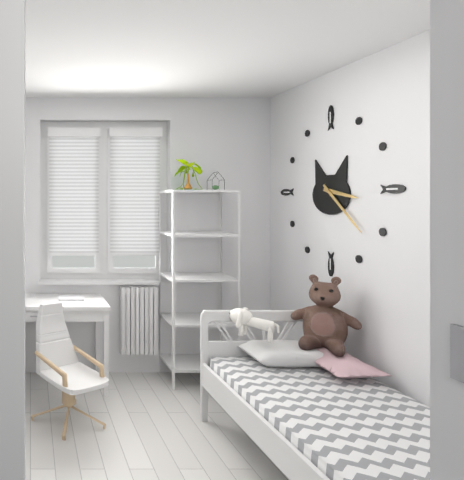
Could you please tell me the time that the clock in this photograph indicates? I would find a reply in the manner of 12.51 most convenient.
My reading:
3.22
